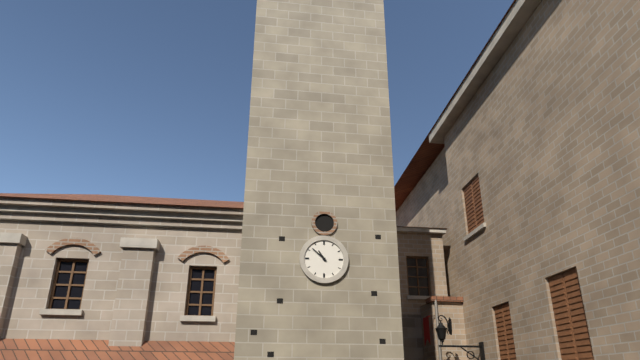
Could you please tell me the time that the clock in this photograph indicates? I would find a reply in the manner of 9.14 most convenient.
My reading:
10.52
